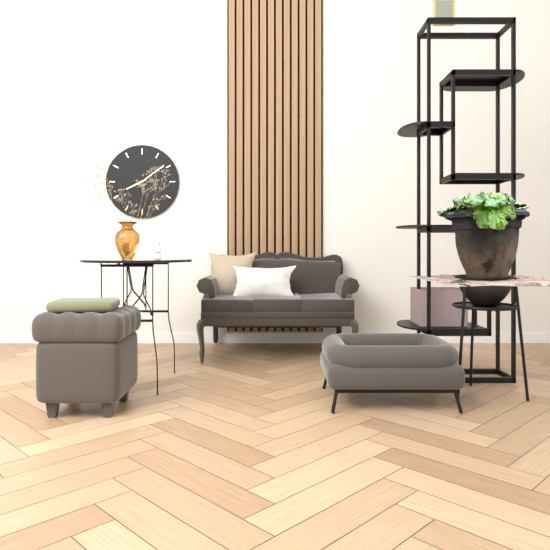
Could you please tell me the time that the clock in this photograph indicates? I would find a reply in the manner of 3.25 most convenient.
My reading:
8.09
